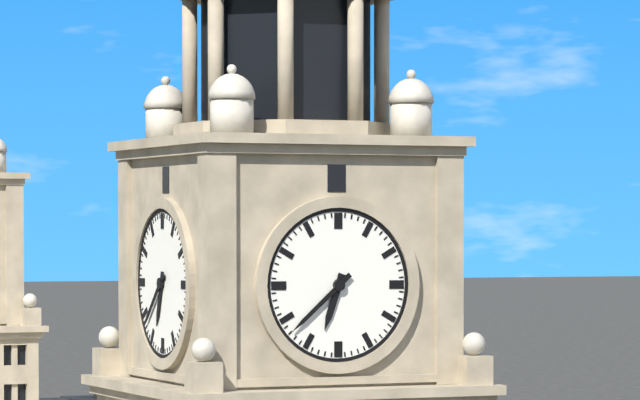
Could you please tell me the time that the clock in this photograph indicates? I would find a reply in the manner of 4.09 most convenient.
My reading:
6.38
